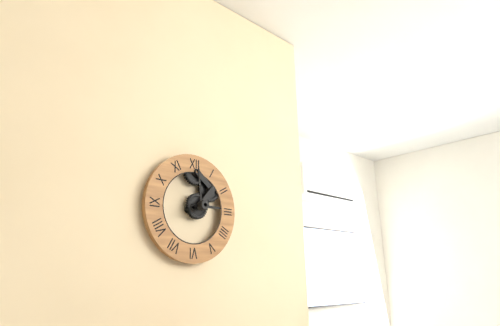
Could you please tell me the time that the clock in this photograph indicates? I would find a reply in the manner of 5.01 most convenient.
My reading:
2.59
